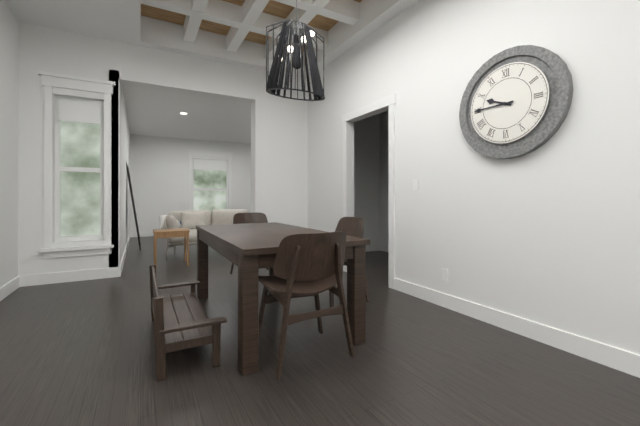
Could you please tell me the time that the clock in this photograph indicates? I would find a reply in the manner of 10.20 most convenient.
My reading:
9.45
